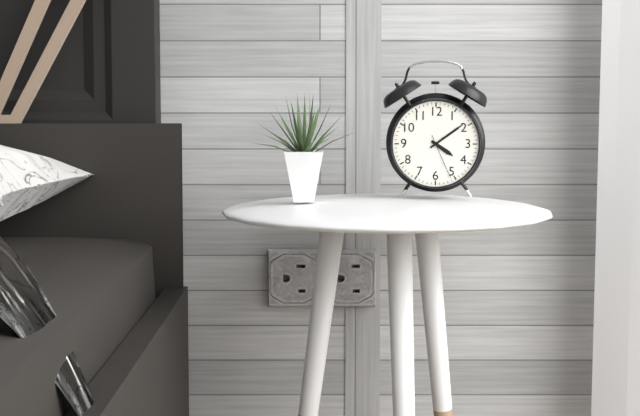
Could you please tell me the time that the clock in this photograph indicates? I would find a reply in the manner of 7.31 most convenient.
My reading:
4.09
